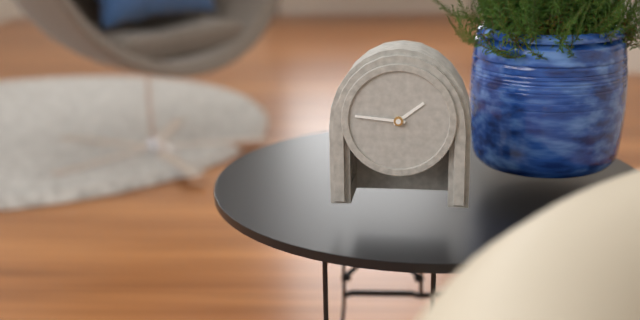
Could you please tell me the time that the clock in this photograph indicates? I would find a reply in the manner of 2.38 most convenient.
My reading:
1.46
